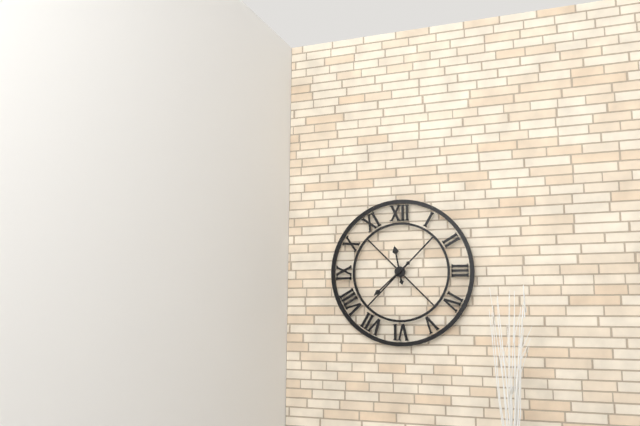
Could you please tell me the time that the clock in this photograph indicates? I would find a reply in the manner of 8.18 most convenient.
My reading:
11.38
